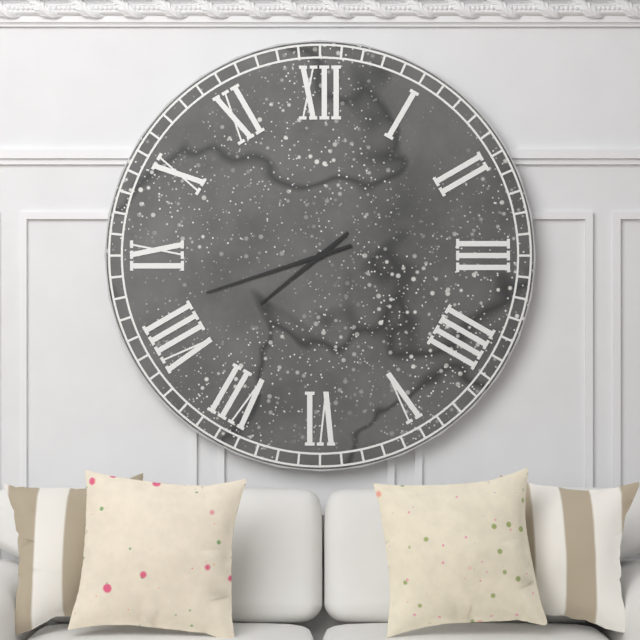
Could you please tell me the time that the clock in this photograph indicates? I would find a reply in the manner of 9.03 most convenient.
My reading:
7.42
